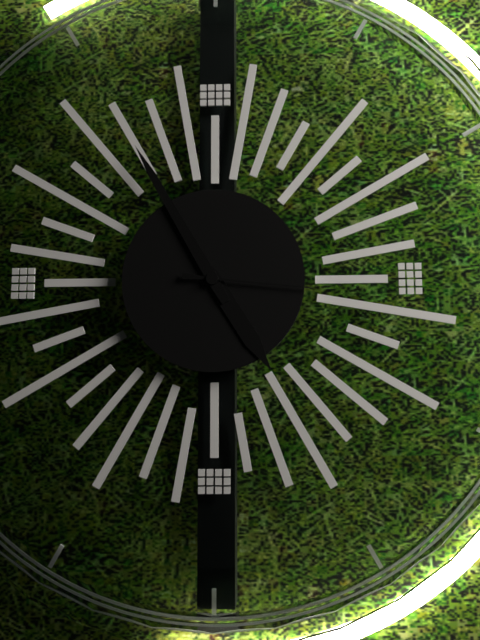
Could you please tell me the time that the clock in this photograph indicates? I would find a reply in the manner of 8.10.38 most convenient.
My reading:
4.55.16
